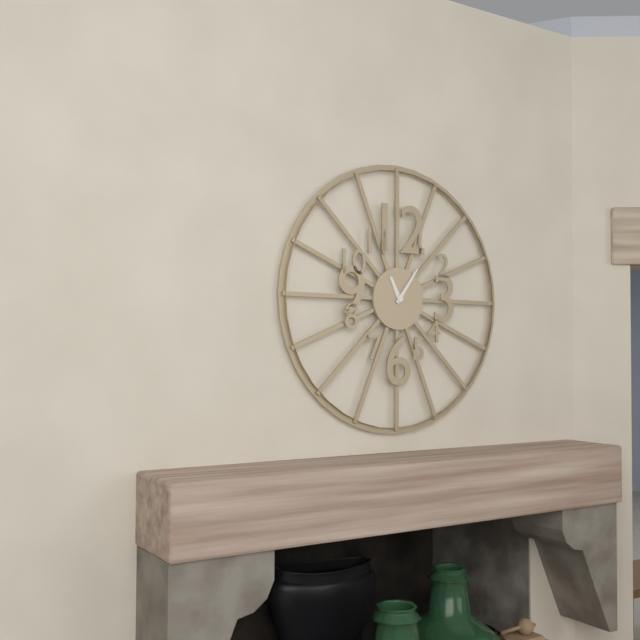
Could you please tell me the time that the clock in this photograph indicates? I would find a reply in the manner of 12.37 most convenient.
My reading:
11.06
